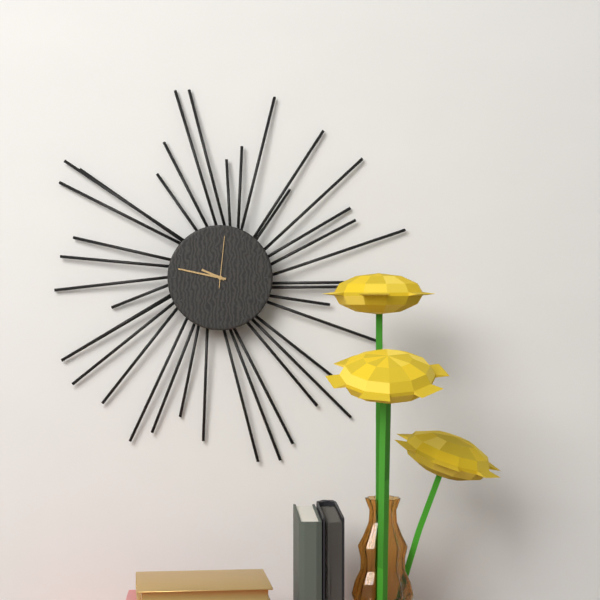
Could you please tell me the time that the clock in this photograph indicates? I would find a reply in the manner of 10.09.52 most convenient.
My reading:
9.47.01
